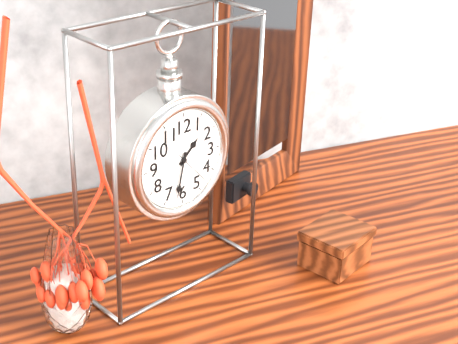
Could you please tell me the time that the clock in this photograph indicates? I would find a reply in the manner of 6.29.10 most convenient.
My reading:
1.32.23
